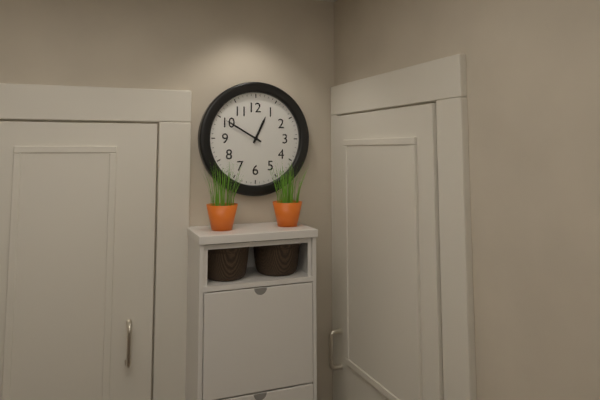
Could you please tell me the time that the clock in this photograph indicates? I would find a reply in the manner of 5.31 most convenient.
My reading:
12.50
